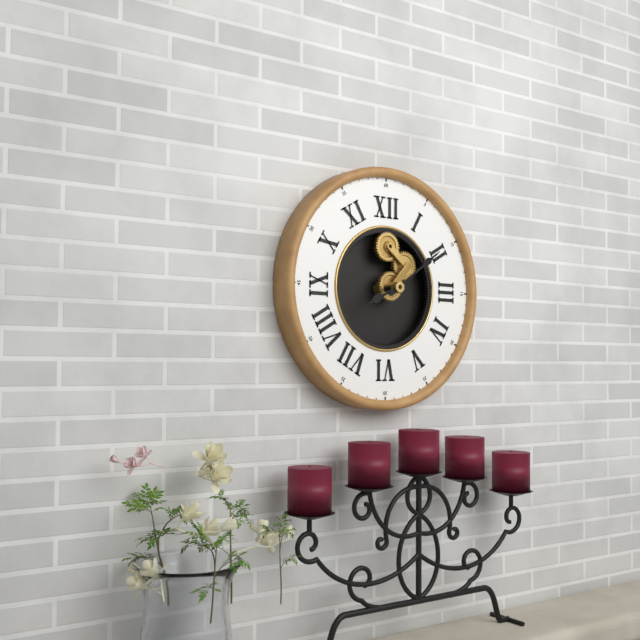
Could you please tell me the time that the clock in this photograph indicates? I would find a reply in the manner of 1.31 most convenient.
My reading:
8.09
